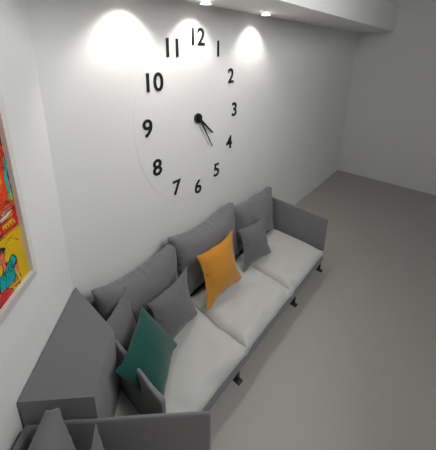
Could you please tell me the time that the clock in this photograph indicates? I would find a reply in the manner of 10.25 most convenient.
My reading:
4.25
